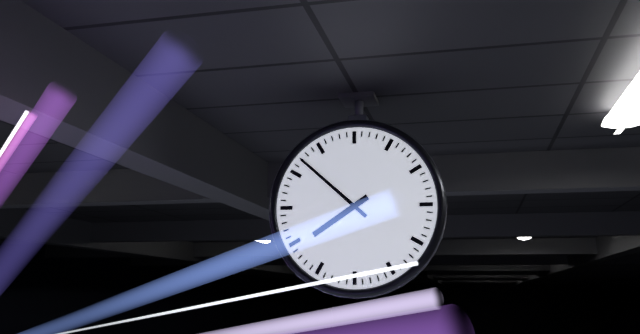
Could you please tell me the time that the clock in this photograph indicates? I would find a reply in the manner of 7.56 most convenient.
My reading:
7.52
